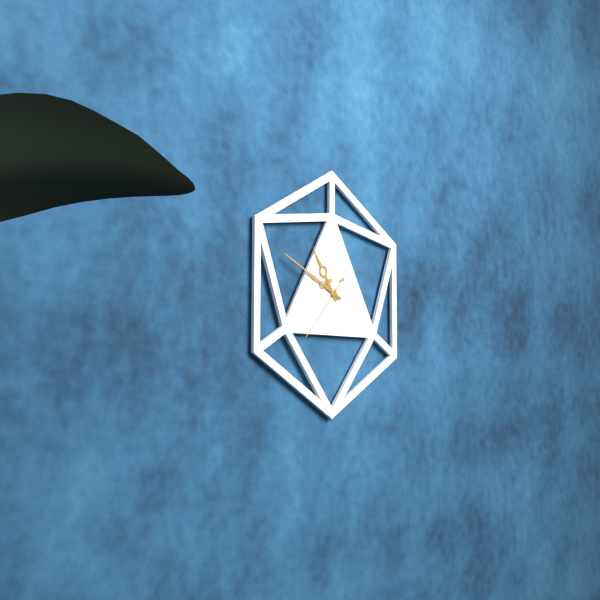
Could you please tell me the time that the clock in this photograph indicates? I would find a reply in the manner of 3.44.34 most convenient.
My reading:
10.49.37
